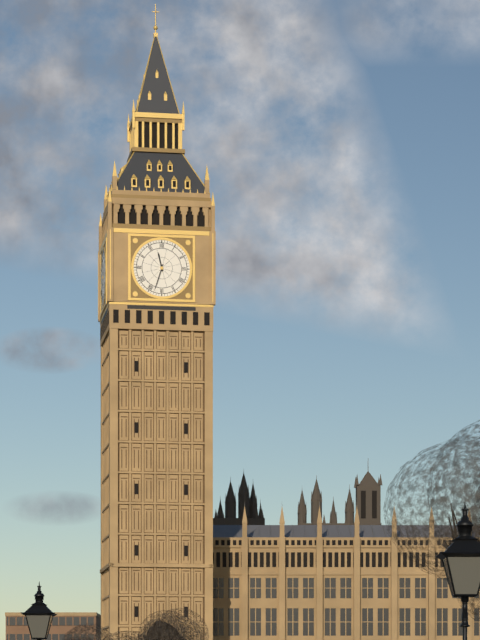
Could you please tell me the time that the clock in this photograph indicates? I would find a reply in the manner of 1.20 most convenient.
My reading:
11.33
